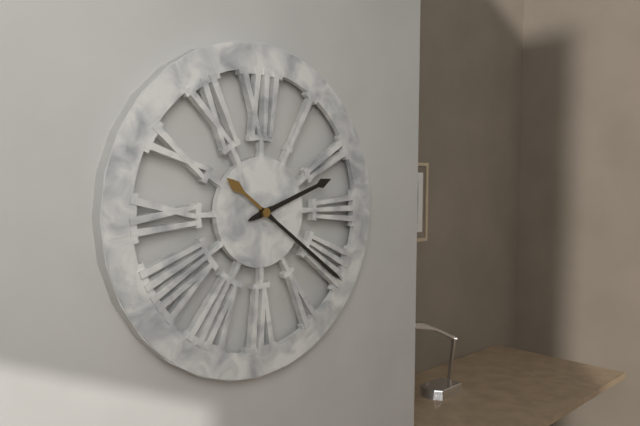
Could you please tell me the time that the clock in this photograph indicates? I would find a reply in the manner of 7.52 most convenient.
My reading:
2.21
